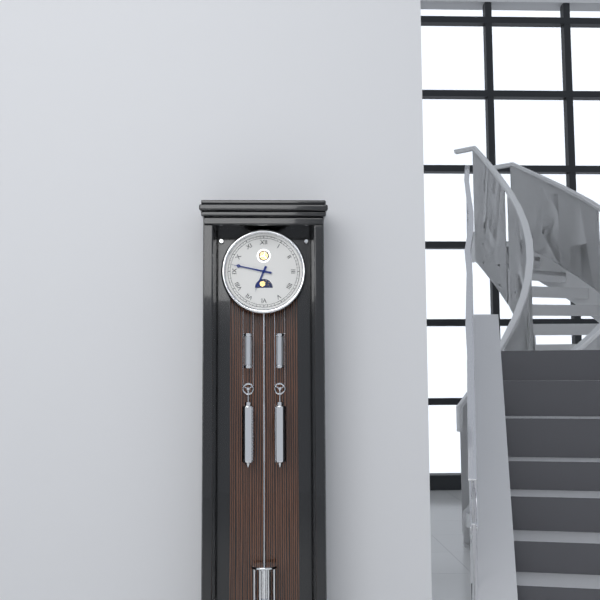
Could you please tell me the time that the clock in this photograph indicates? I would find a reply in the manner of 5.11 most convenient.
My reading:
6.47
